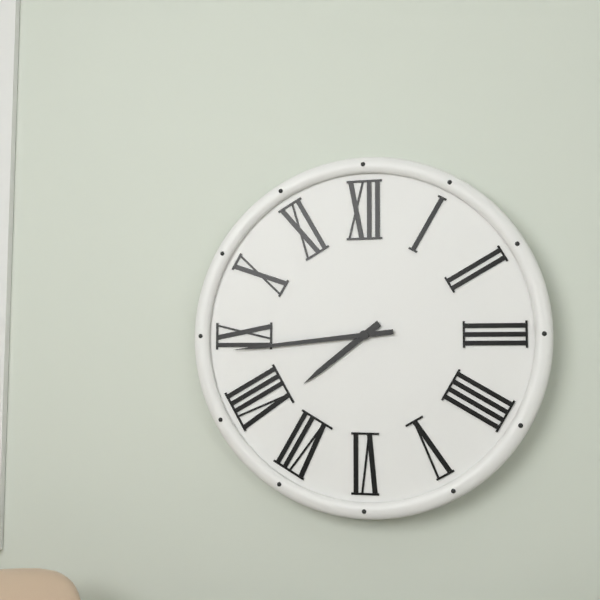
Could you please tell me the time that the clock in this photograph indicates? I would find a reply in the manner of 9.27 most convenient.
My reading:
7.44
